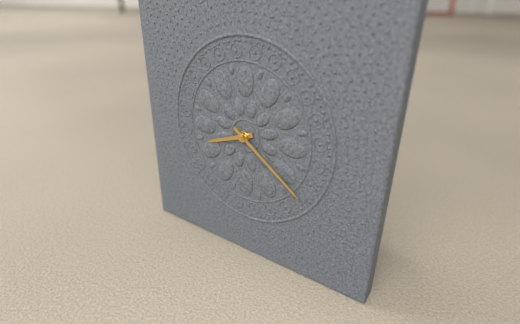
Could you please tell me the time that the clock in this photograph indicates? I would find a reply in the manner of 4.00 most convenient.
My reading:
8.21
